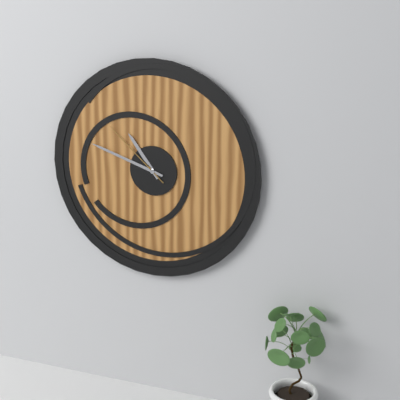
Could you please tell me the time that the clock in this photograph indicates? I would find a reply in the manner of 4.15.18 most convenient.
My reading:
10.48.52
